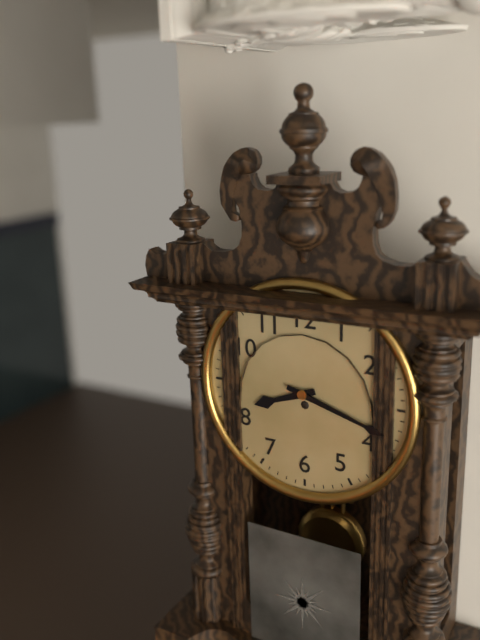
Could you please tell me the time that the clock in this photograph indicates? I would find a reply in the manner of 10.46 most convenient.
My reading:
8.18
